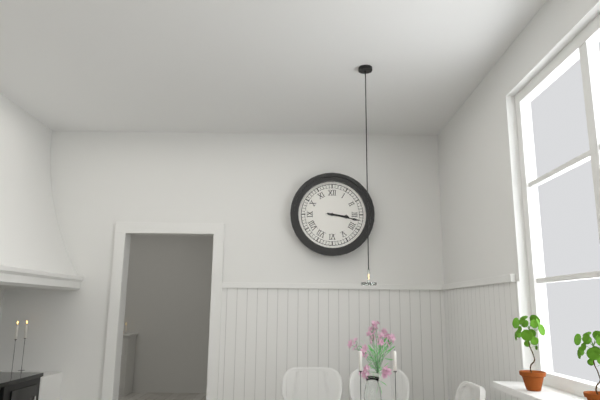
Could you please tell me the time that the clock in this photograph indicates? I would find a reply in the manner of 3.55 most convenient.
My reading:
3.17
